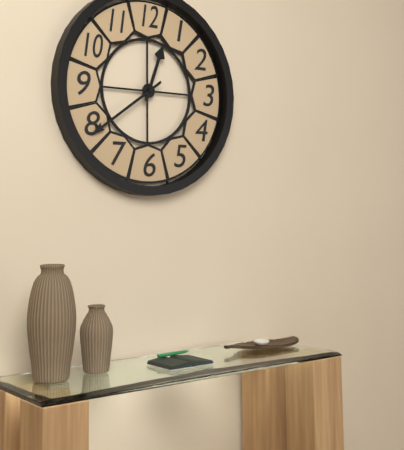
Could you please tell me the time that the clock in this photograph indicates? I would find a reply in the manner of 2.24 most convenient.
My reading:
12.39
